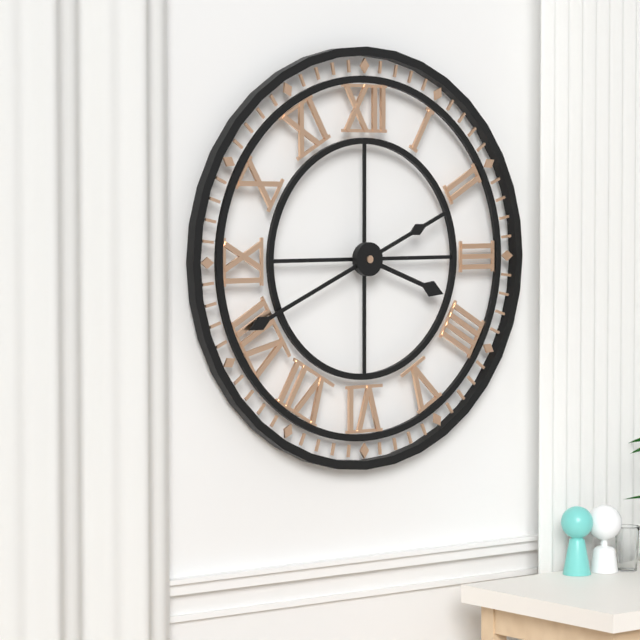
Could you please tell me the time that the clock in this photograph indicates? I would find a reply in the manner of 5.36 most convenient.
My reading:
3.41
